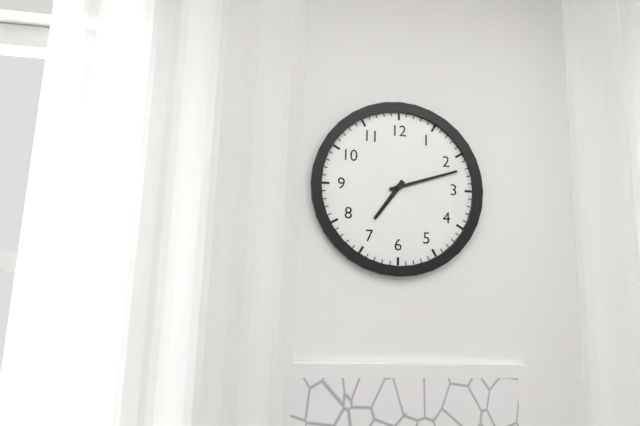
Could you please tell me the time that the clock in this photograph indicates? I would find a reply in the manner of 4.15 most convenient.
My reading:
7.12
